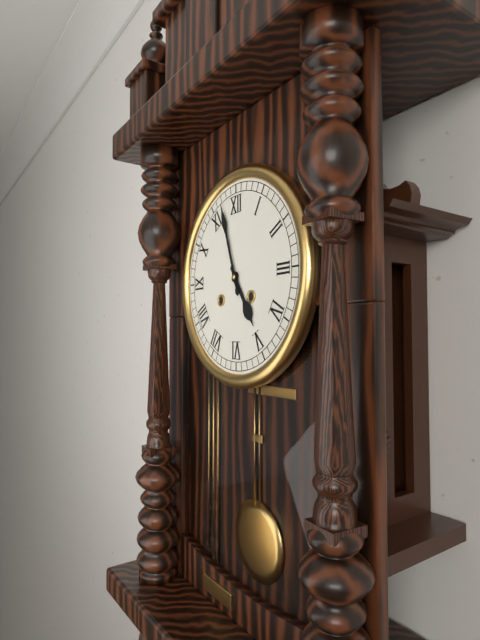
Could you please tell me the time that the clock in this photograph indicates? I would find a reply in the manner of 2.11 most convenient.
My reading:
4.57
